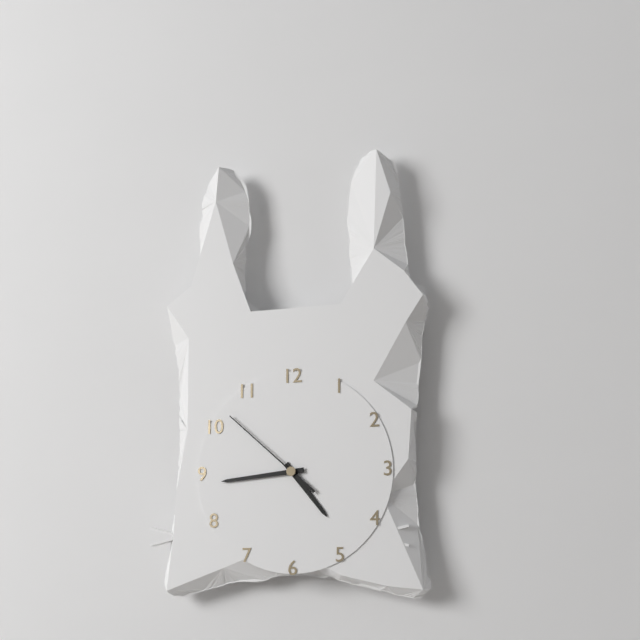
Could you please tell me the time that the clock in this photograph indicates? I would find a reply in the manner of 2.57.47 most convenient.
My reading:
4.44.52
